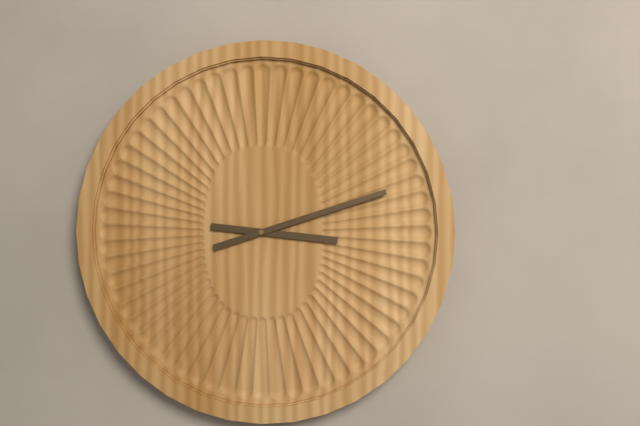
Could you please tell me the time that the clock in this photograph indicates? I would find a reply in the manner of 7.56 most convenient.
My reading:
3.12
